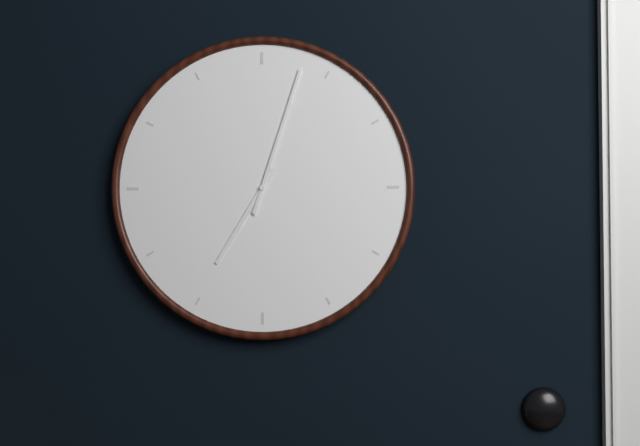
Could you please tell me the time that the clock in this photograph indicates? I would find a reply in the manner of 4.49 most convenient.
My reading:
7.03
